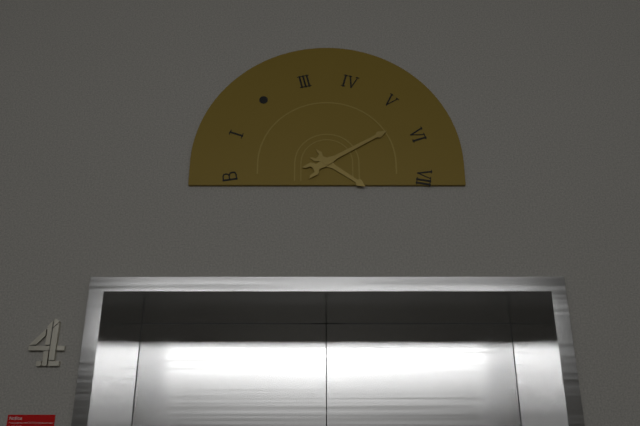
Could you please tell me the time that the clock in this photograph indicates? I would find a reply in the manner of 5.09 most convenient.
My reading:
4.10
